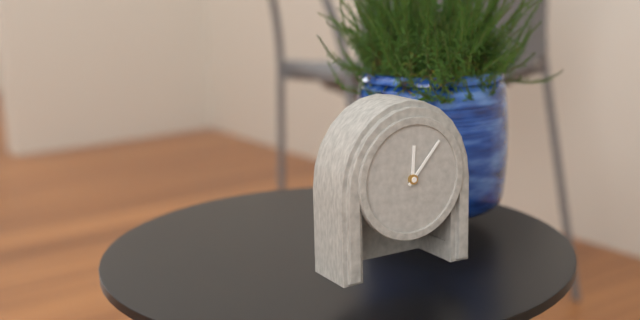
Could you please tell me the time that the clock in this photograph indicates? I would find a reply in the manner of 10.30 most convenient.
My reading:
12.07
